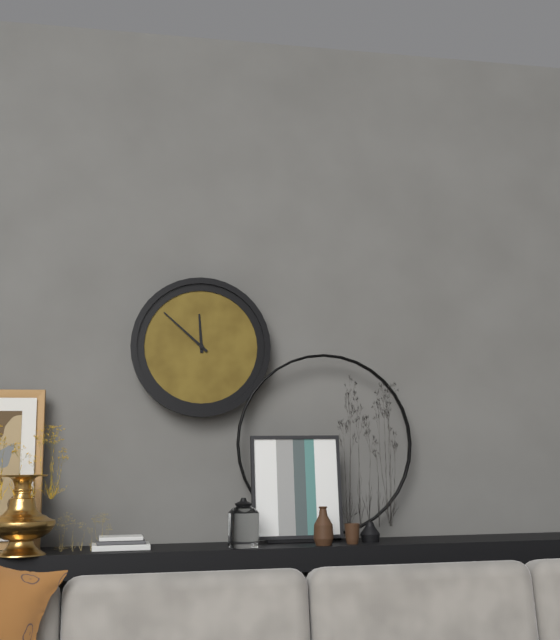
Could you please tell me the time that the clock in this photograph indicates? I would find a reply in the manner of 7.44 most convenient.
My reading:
11.52
